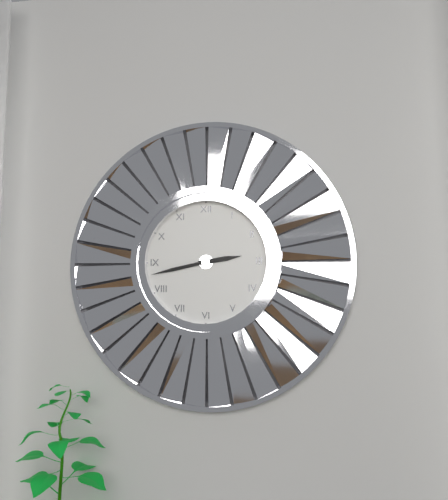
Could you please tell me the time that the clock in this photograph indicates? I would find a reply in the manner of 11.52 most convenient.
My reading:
2.43
